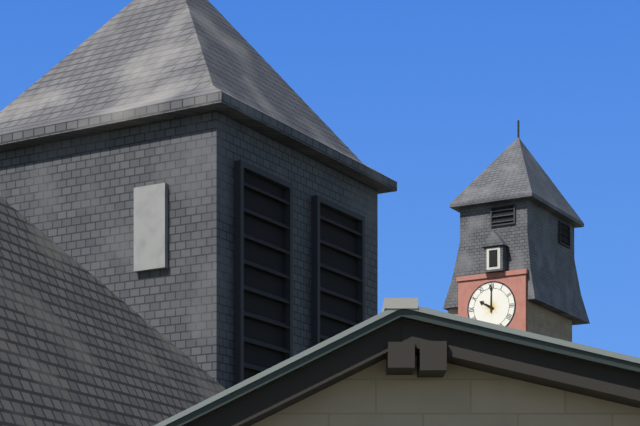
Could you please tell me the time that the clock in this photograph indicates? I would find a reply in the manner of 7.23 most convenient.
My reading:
10.00
